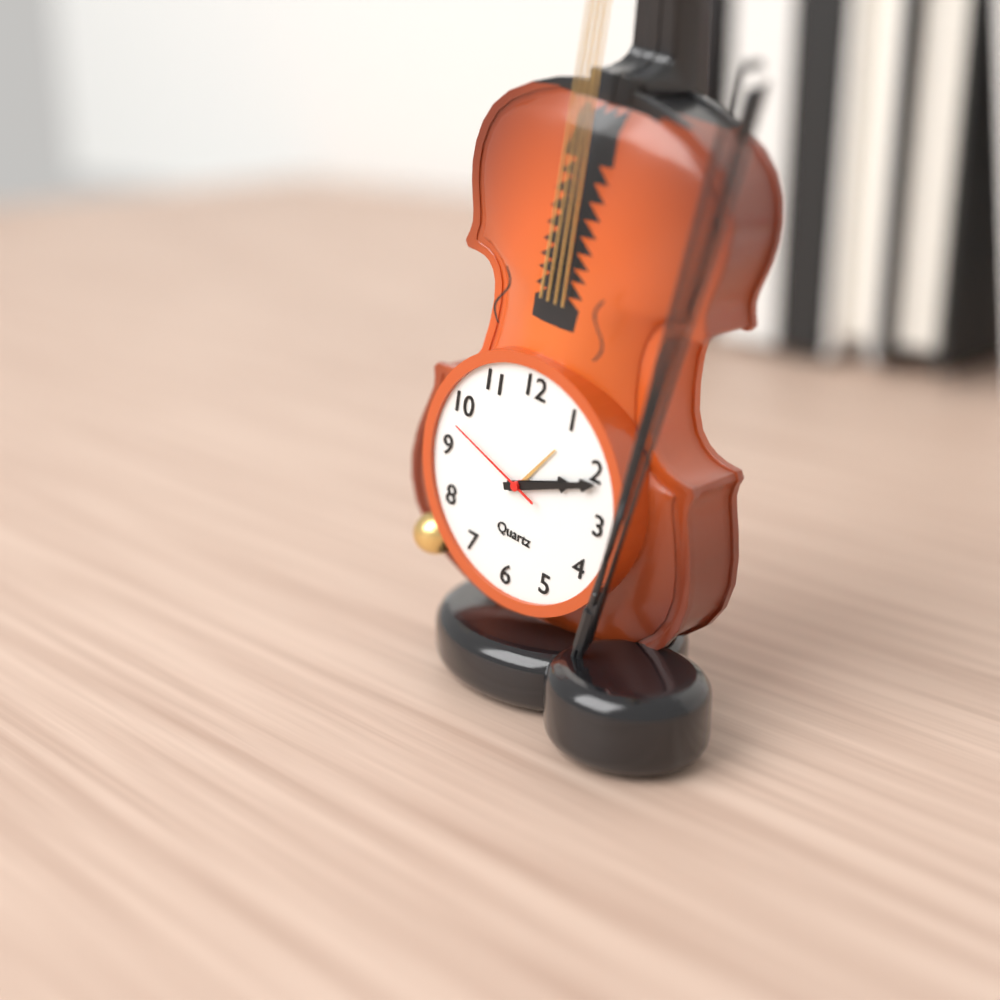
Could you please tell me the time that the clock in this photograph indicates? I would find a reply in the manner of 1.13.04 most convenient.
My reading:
2.11.48
